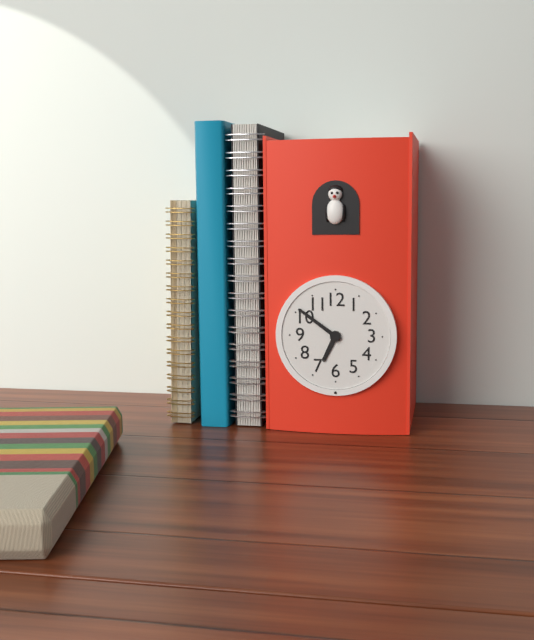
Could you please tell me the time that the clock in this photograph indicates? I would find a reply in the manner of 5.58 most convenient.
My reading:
6.51
